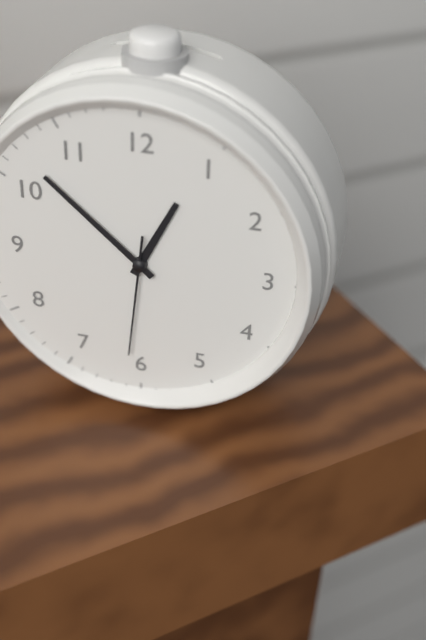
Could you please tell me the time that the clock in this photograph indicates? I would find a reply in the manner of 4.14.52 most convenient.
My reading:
12.52.31
